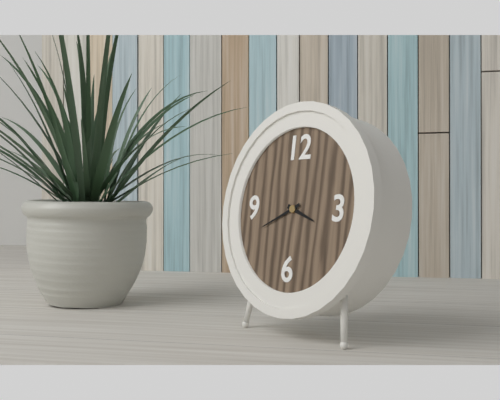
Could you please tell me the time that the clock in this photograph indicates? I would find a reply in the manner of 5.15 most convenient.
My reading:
3.41
